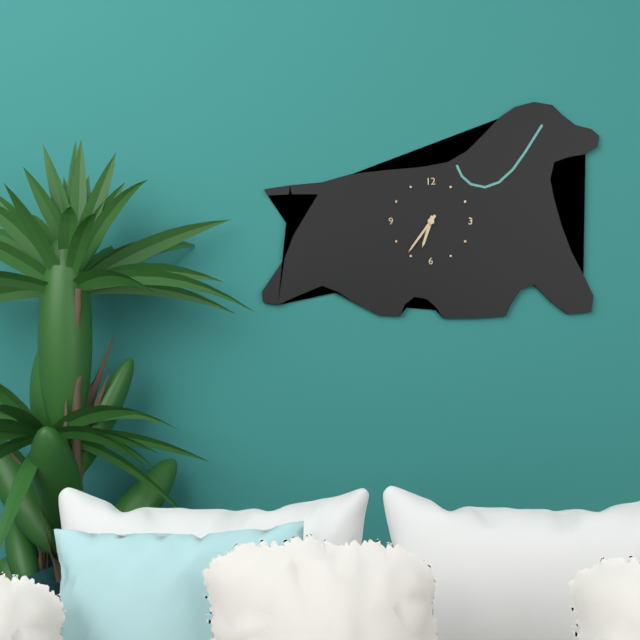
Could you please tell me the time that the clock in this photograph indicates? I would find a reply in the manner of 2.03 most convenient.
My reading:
6.36
